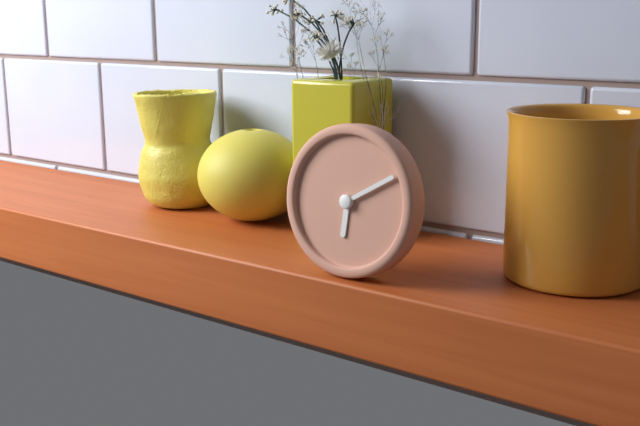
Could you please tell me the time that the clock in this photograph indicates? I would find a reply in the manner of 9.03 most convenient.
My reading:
6.10
